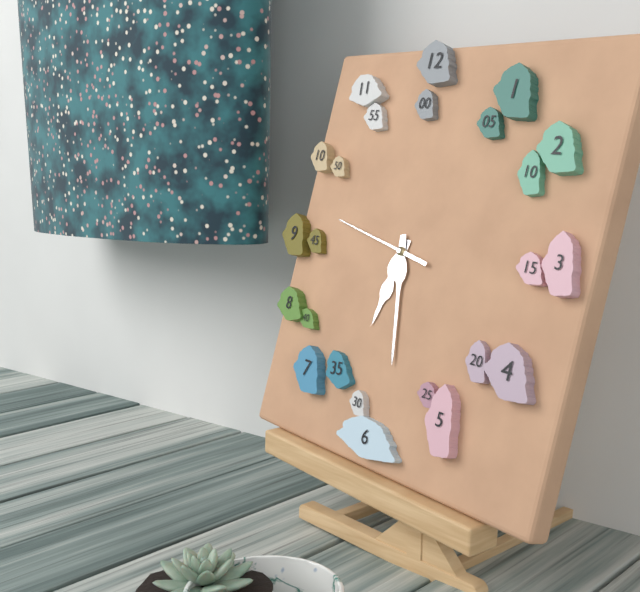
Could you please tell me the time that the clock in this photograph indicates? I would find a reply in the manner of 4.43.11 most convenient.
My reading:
6.28.47
